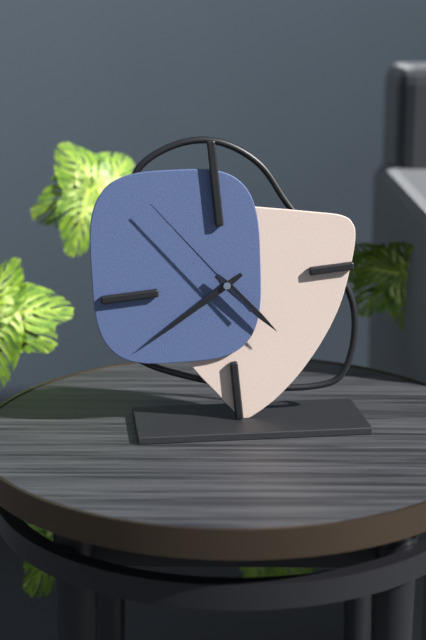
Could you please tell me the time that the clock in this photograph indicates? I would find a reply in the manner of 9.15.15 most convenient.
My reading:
4.40.54
